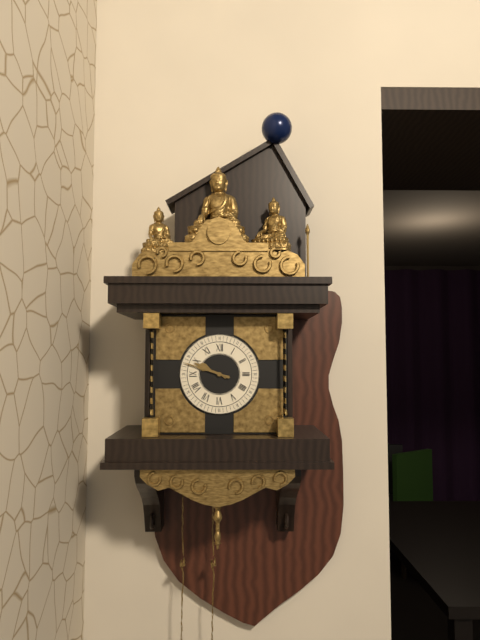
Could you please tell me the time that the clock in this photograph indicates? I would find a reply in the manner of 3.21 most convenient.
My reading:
9.48
